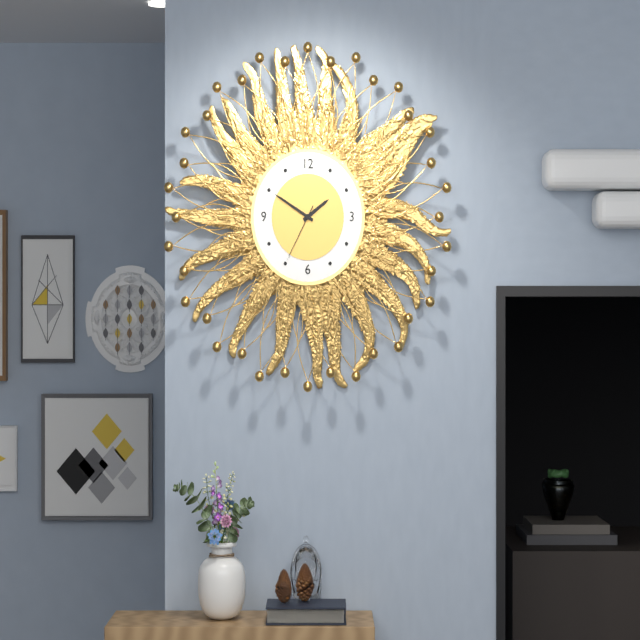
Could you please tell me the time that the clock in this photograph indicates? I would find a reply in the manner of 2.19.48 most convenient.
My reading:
1.50.35
